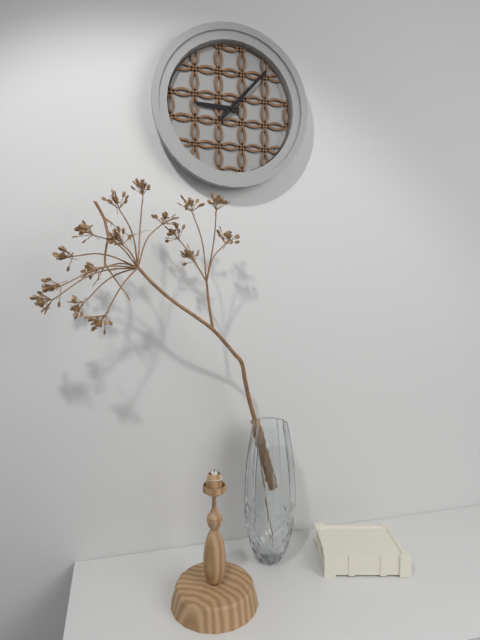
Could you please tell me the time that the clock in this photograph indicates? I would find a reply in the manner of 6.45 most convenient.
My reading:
9.07
